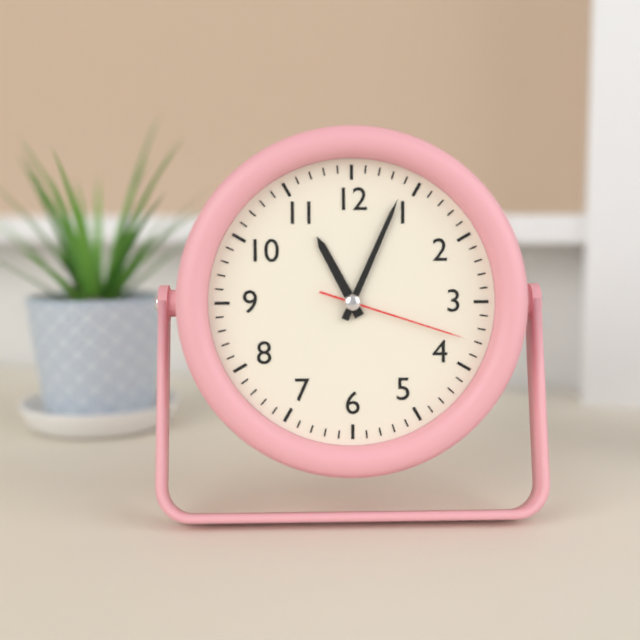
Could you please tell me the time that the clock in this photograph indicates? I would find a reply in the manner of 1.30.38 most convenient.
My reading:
11.04.18
